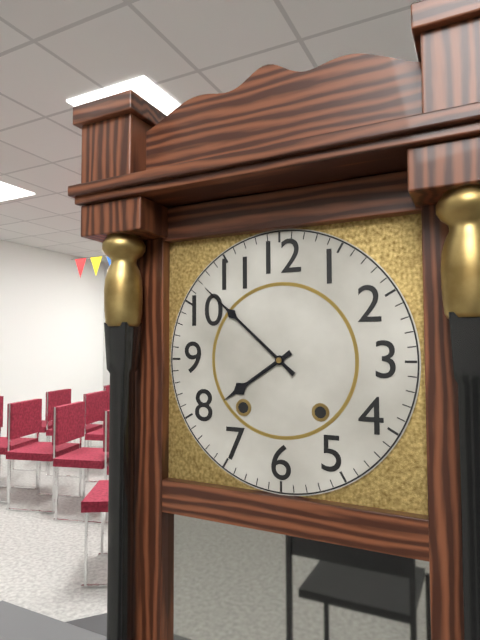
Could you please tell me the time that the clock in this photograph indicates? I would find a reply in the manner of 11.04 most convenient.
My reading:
7.52
